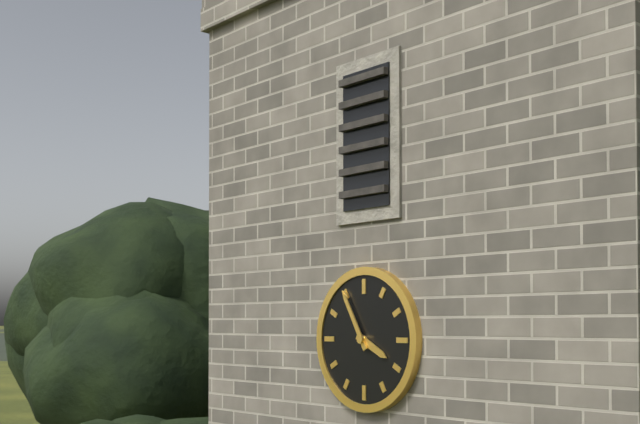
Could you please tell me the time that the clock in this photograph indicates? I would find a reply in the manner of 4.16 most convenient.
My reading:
3.55
